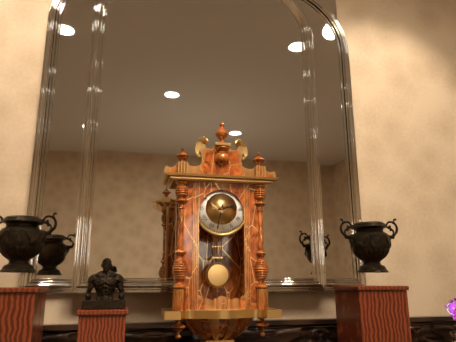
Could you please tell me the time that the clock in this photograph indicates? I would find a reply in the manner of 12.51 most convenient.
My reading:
2.32
